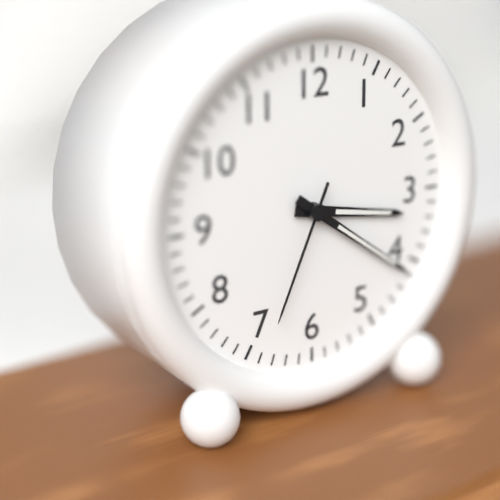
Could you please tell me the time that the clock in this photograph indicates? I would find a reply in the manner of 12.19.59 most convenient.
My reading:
3.21.34
